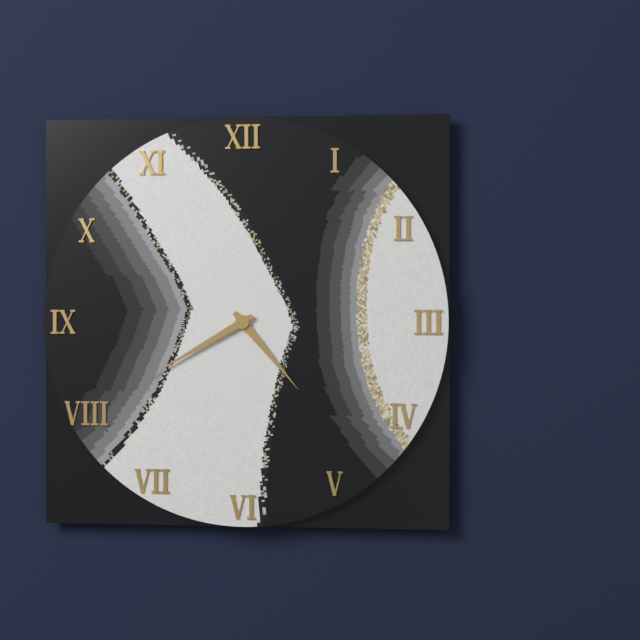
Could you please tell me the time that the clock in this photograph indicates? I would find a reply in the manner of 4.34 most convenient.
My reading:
4.40
